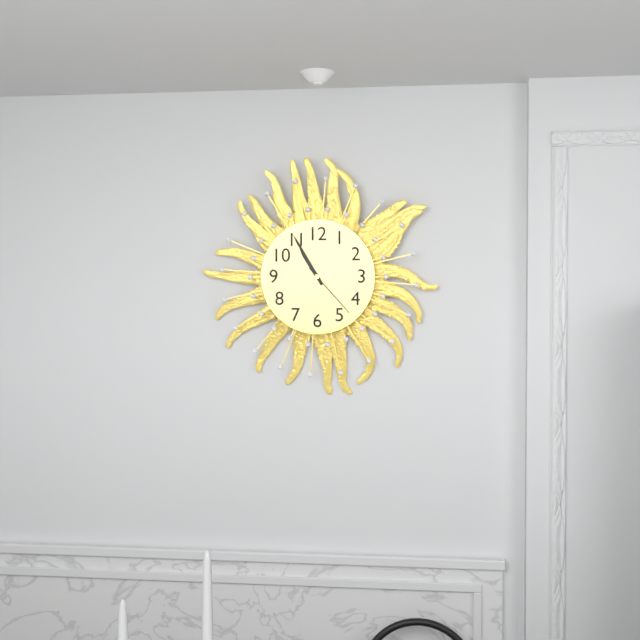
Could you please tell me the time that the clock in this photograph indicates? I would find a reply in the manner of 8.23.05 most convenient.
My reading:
10.55.23
